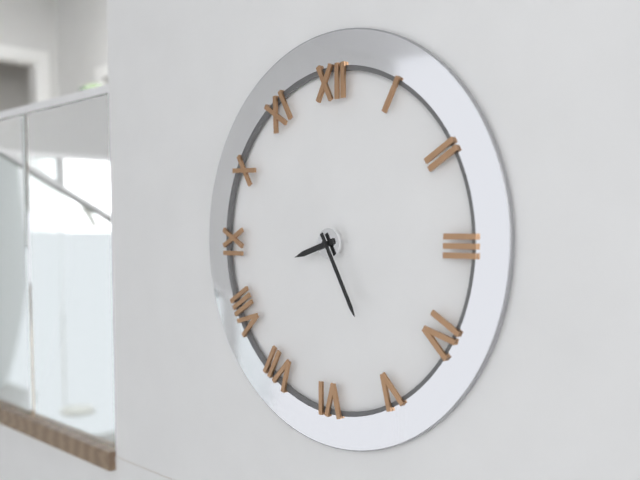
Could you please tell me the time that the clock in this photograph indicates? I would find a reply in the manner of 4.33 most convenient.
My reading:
8.25
